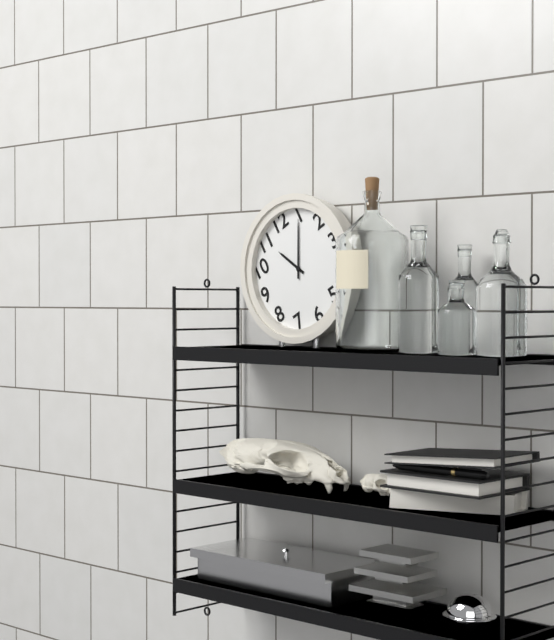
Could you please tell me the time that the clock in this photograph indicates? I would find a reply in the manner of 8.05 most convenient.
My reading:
11.05
